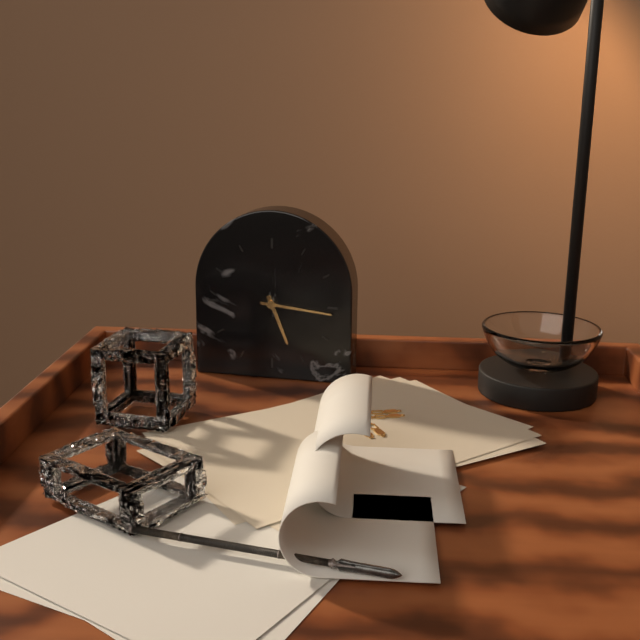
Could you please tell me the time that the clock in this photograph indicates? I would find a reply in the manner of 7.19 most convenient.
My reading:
5.16
